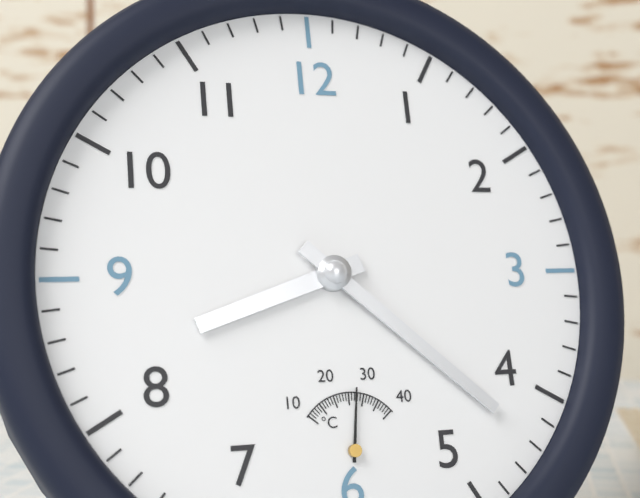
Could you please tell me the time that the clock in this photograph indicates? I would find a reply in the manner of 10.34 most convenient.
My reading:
8.22
